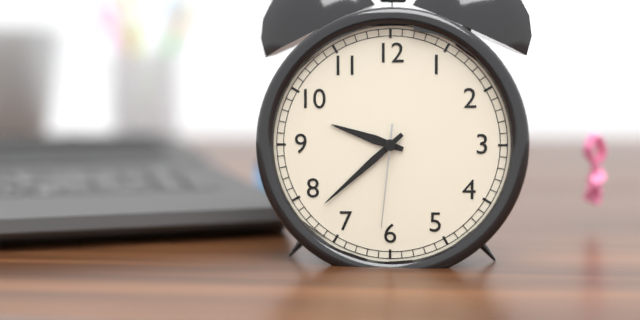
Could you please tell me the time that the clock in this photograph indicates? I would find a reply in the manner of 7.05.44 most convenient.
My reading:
9.38.31
